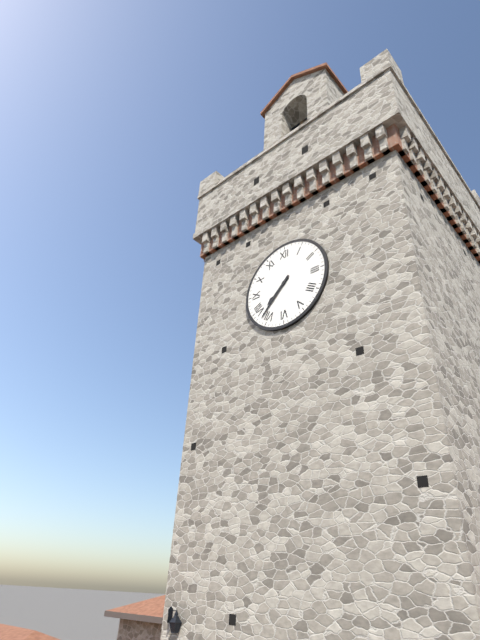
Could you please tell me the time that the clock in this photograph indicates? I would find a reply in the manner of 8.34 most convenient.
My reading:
7.37
